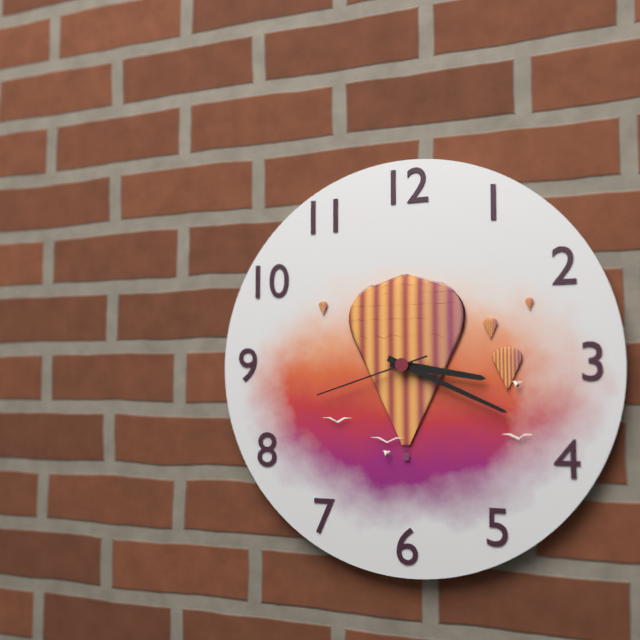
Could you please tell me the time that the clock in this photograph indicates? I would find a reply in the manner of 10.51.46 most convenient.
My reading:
3.19.42
